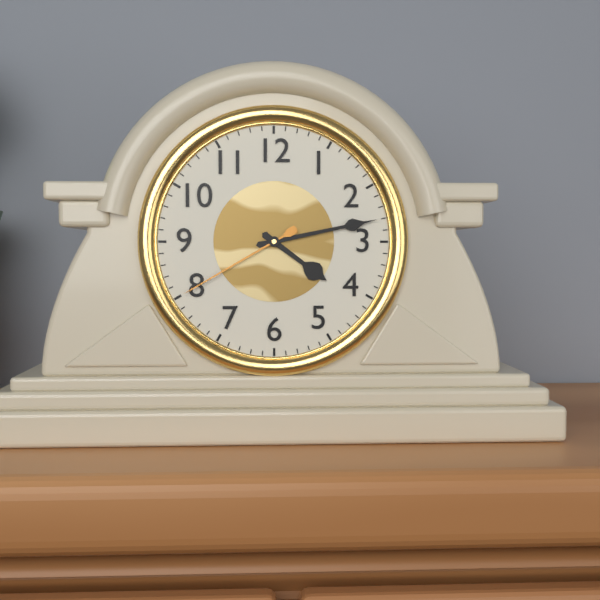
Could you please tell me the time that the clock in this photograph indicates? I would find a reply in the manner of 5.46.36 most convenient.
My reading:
4.13.40
